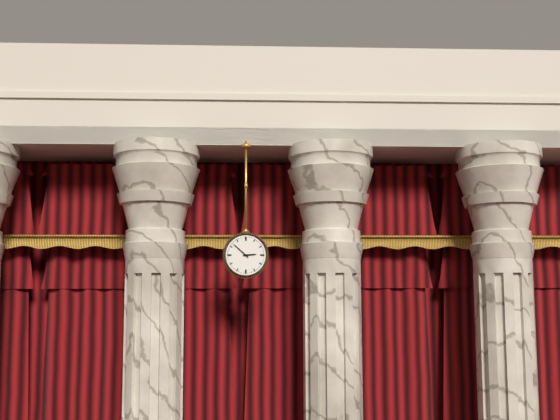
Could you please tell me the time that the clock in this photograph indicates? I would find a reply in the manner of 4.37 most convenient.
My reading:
2.52
